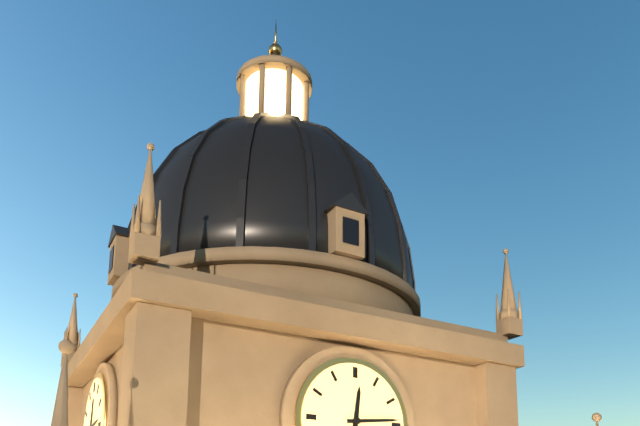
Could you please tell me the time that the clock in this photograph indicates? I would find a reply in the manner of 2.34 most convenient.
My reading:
12.14
